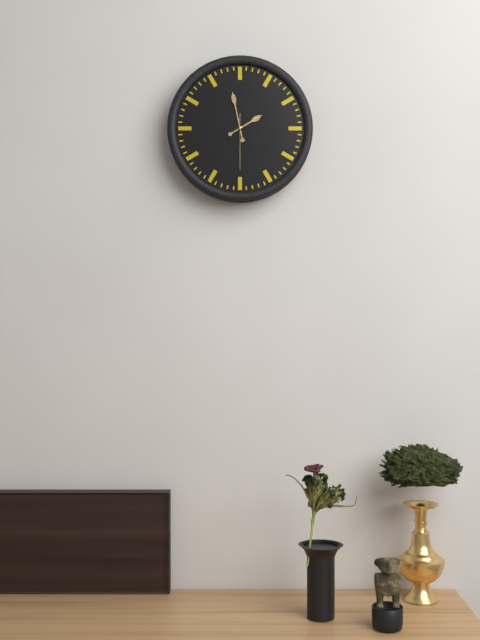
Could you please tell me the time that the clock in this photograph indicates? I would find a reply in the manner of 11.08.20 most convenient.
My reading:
1.58.30
